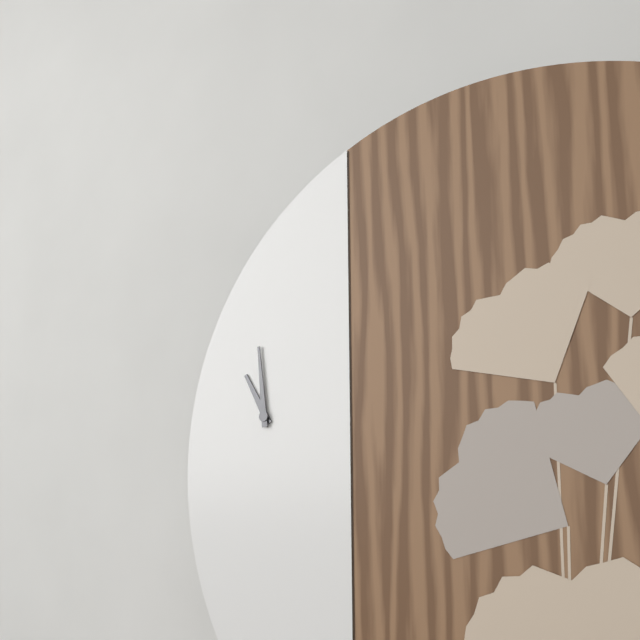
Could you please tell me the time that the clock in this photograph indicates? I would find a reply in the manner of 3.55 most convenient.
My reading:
10.59
